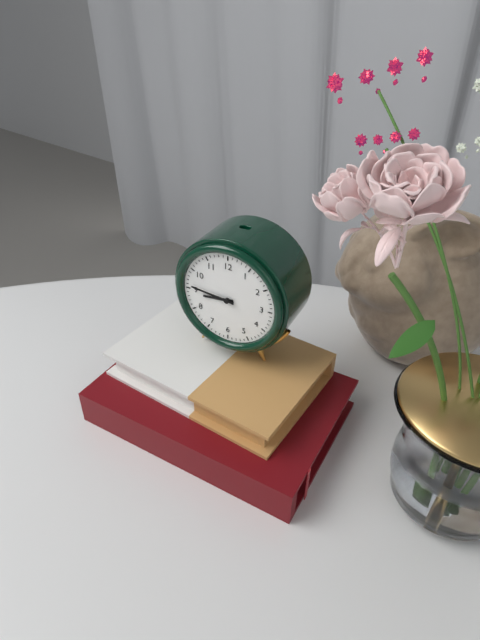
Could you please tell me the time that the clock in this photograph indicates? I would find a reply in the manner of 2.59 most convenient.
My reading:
8.46
